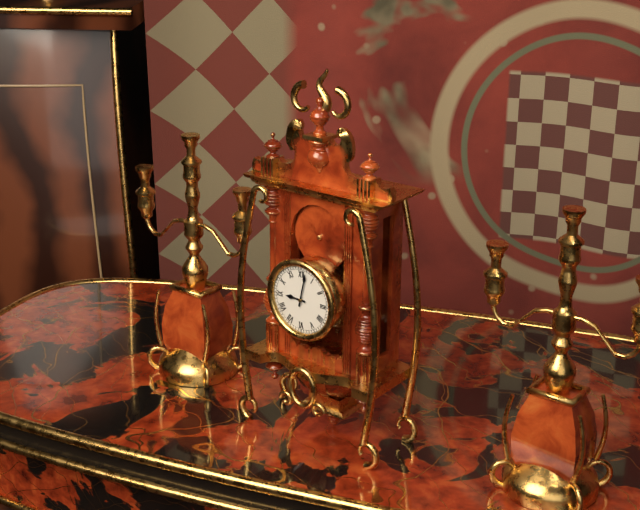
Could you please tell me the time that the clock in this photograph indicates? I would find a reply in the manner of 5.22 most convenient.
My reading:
9.02
